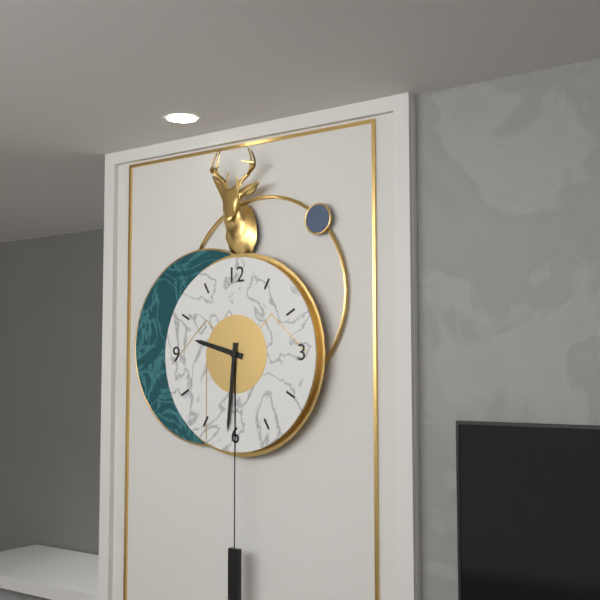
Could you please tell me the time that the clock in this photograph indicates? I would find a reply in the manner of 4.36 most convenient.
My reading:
9.31
